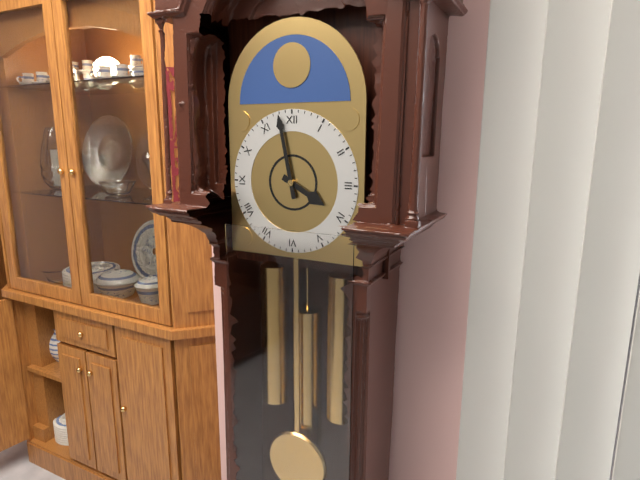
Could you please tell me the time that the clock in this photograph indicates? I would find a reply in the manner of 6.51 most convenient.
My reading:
3.58
